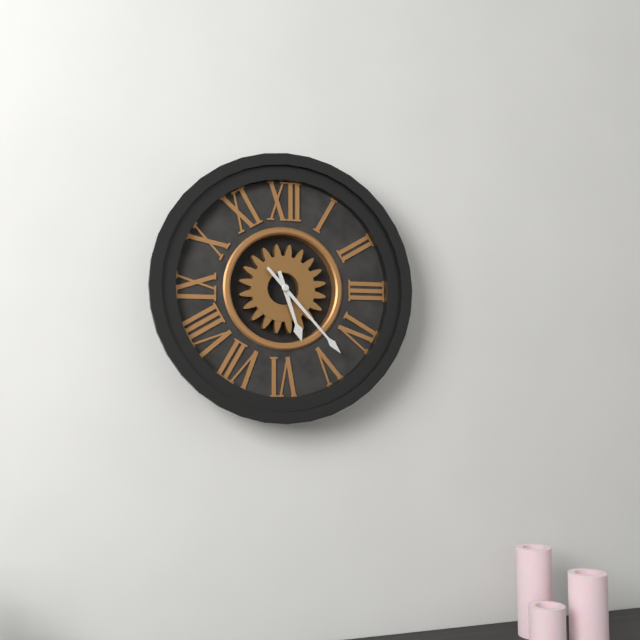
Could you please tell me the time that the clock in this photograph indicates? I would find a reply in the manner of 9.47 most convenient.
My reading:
5.23
